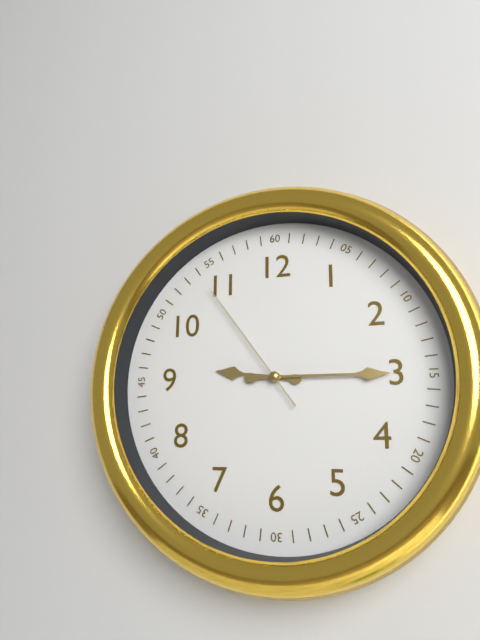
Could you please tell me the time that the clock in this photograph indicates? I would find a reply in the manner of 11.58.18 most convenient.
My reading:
9.15.54
